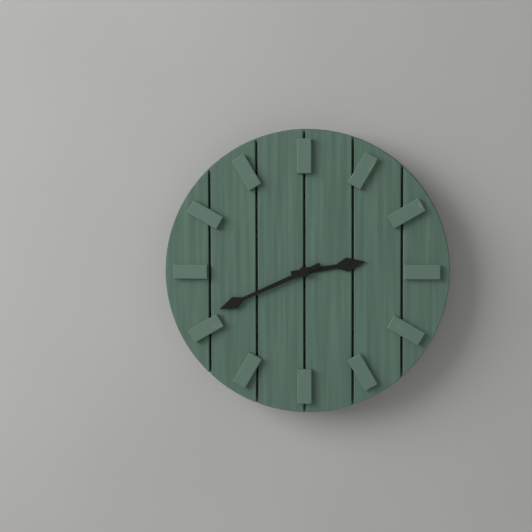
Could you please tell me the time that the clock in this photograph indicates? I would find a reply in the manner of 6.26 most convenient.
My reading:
2.41
